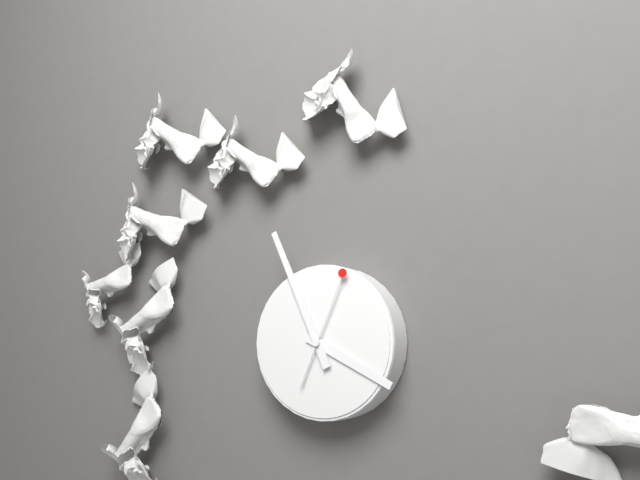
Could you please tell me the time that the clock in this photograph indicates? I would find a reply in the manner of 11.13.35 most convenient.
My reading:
3.56.04
